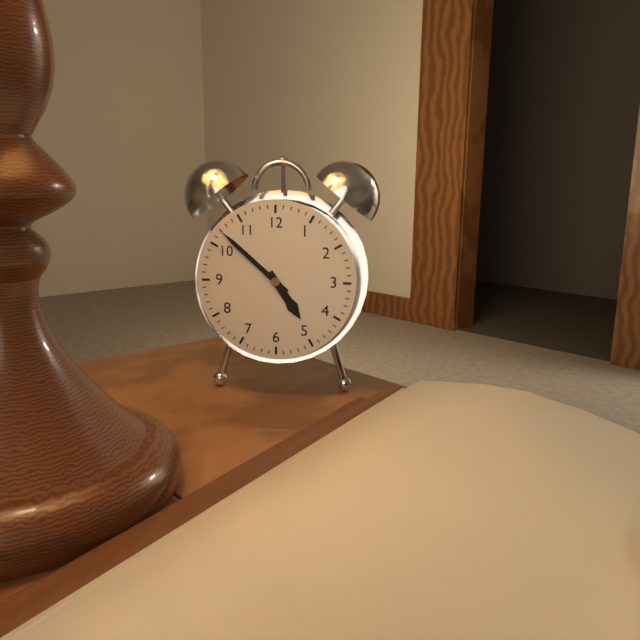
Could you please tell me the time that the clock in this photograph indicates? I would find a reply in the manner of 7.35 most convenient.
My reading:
4.52
